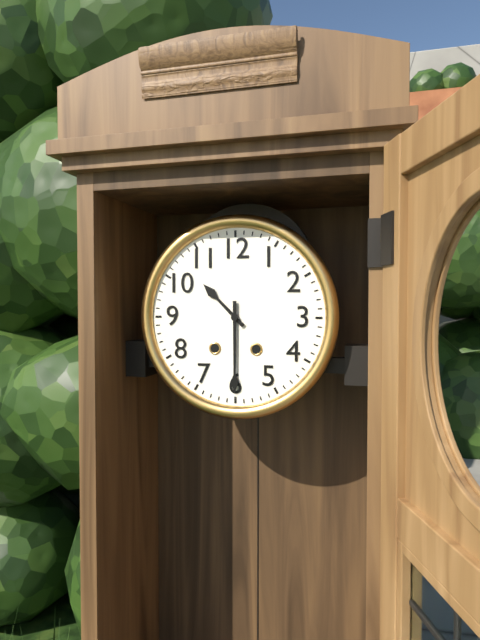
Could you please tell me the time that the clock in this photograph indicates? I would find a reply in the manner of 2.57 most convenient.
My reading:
10.30
